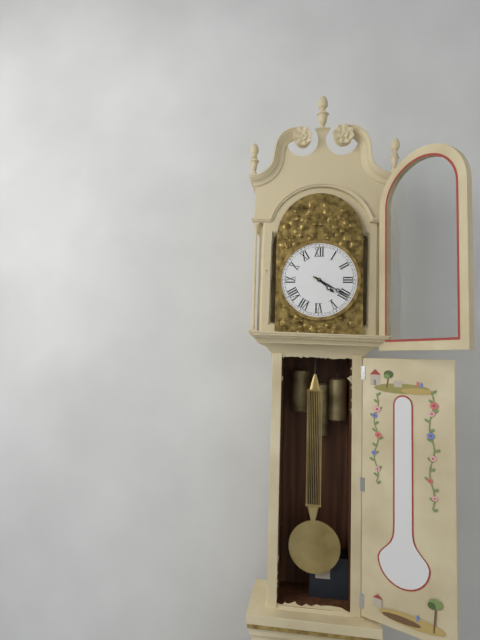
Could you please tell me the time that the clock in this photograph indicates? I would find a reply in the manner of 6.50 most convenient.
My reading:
4.20
